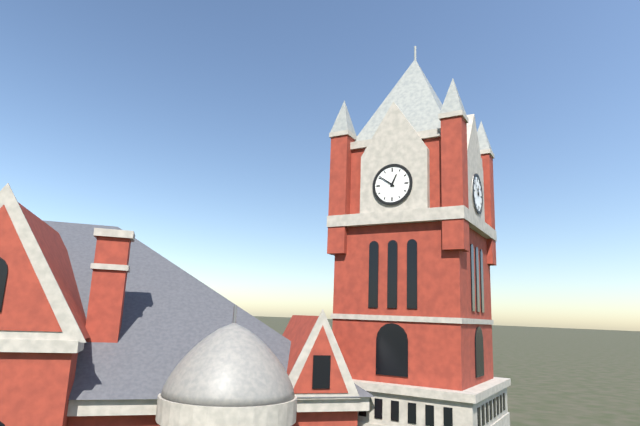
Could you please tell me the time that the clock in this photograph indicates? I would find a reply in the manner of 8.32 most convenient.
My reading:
12.51
